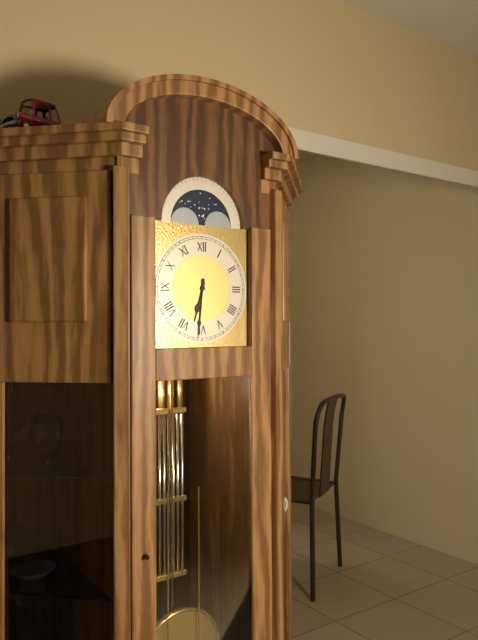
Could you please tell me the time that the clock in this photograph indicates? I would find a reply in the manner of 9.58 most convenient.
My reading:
6.31
